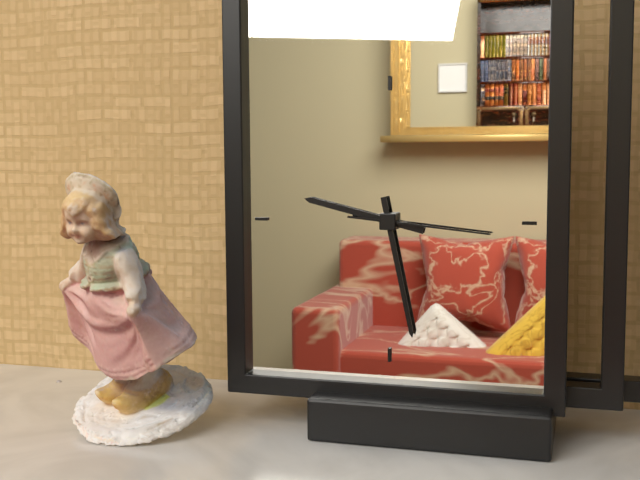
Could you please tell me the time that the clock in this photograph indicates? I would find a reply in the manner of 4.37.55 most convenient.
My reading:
9.28.16
